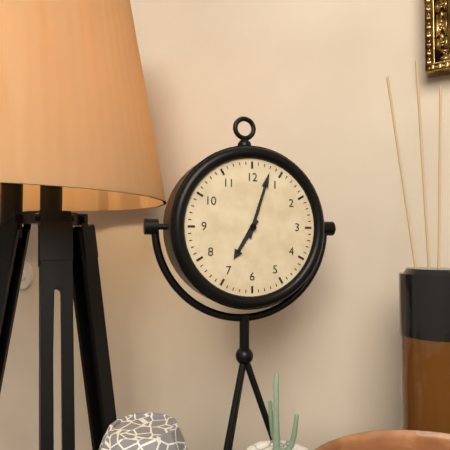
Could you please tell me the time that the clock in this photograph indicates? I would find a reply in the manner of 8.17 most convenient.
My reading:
7.03
